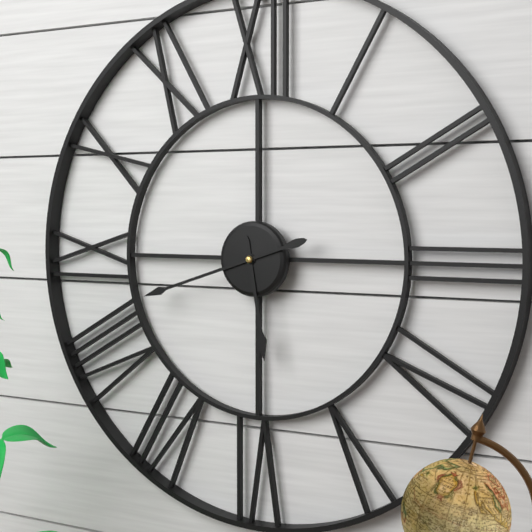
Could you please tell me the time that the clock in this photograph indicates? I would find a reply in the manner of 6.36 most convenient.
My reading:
5.42
